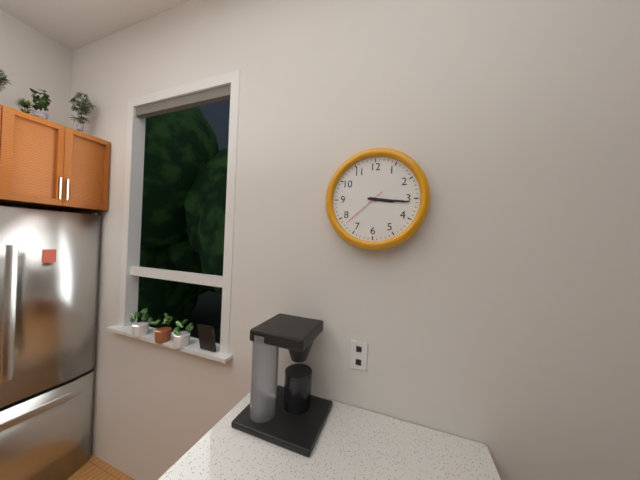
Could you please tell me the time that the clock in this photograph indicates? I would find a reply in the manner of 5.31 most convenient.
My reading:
3.16
